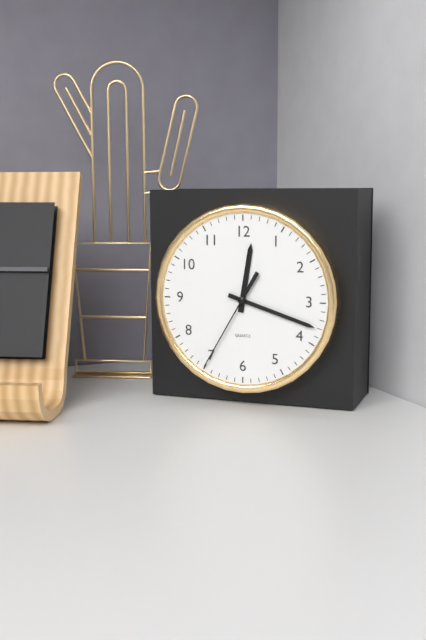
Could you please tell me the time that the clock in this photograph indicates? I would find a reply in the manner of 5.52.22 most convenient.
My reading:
12.18.35
